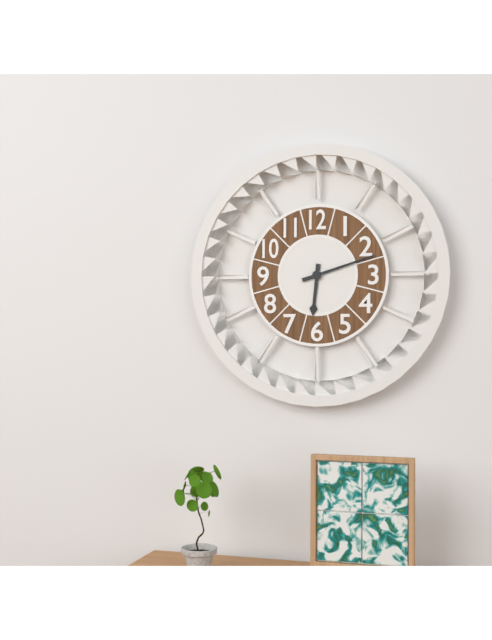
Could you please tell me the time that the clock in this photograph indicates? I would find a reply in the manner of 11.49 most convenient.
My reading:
6.12
